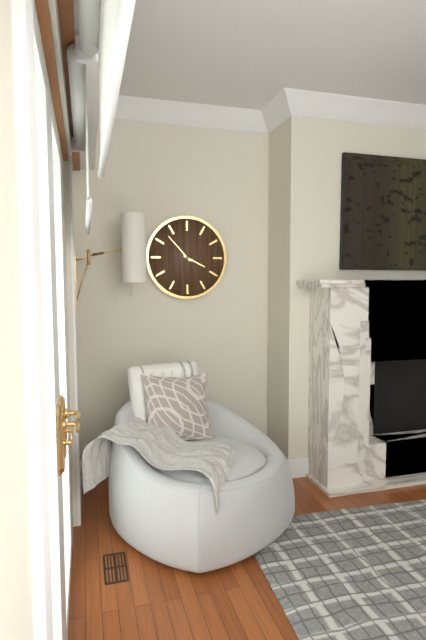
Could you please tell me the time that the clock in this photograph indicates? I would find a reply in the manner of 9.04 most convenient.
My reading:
3.53
